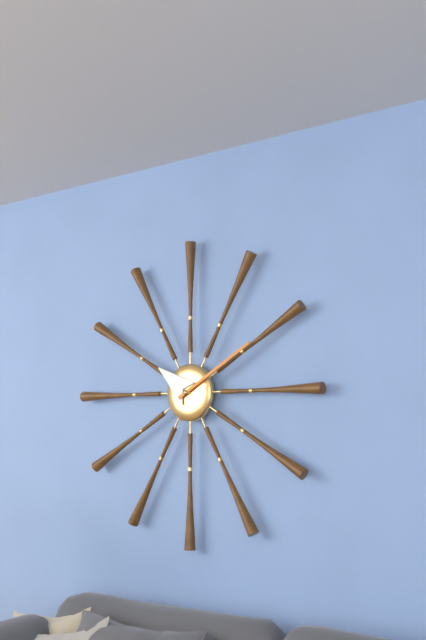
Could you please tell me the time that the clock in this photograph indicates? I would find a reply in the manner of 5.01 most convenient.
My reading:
10.10
